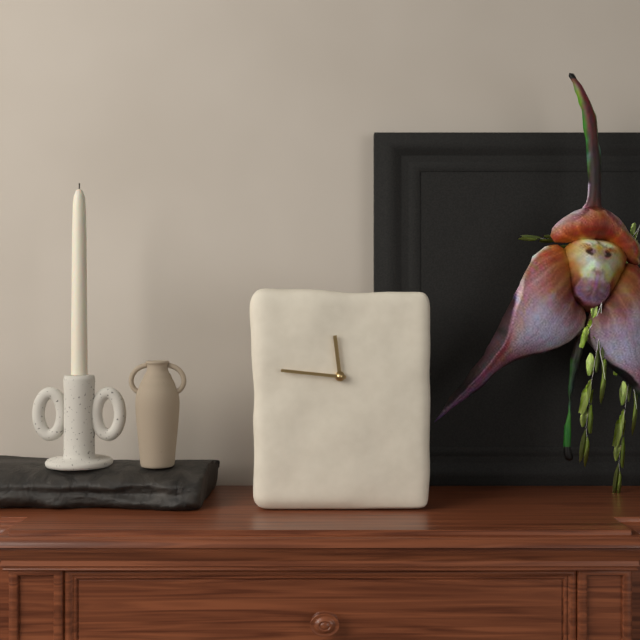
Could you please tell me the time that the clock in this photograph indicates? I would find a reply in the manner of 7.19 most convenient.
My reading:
11.46
